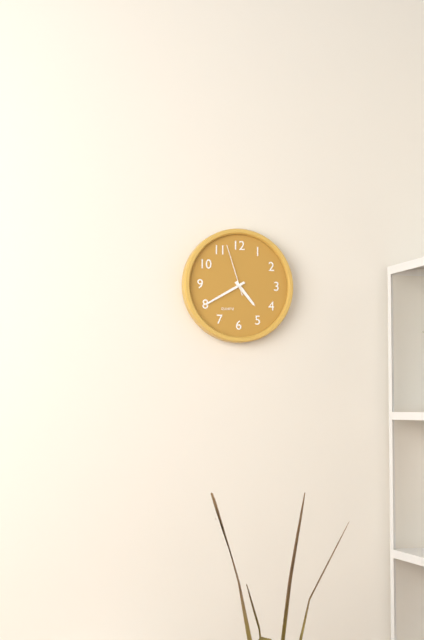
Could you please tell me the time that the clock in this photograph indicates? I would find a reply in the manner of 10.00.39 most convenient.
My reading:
4.40.57
